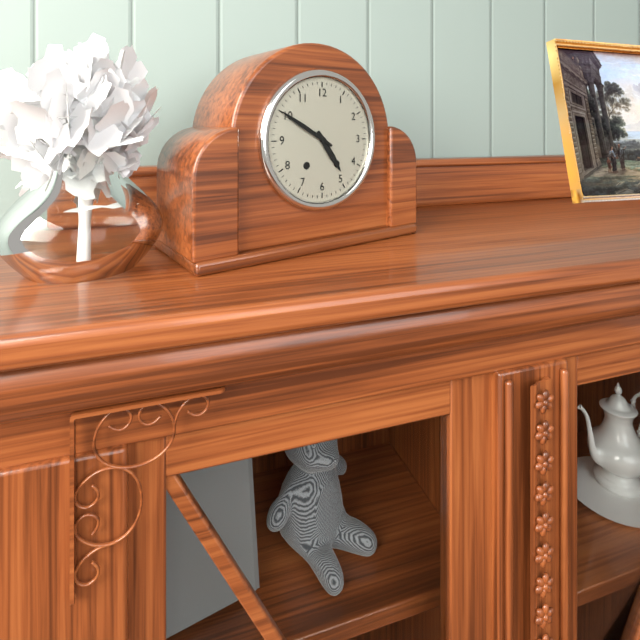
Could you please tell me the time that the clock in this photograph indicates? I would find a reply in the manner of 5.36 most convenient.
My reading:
4.50
